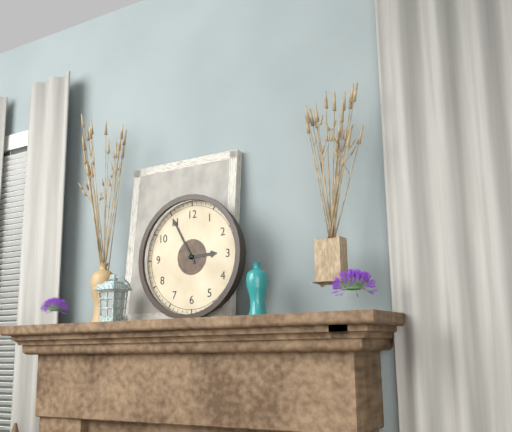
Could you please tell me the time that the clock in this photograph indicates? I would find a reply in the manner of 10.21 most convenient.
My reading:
2.55
